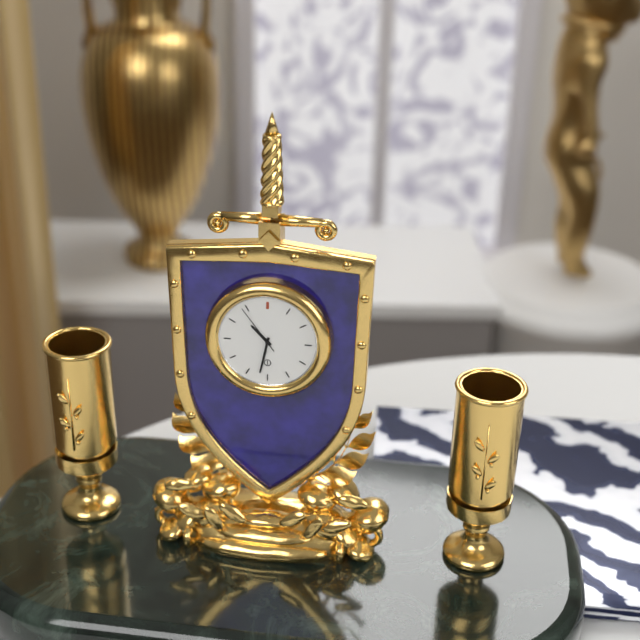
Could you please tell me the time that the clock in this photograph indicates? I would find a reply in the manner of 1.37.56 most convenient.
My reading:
10.32.54
